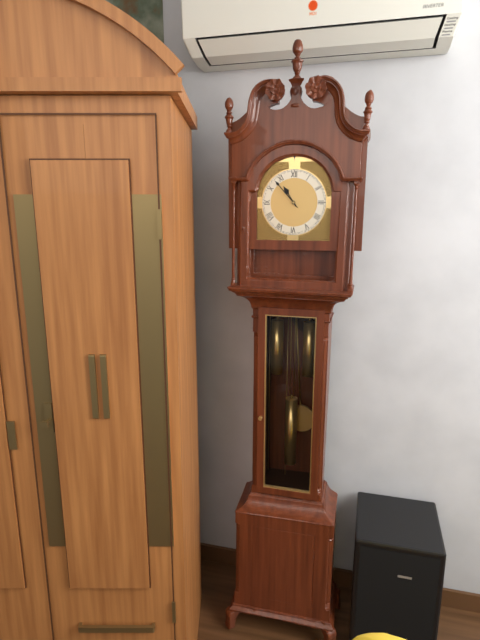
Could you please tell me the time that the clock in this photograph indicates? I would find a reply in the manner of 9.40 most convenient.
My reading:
10.53
